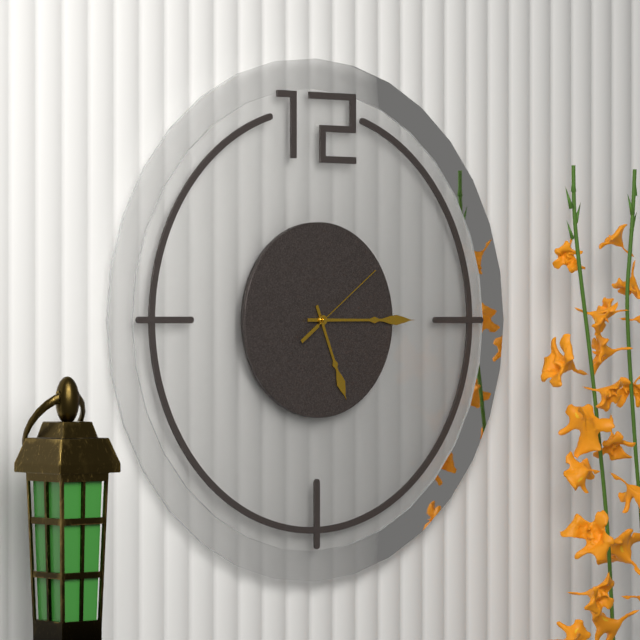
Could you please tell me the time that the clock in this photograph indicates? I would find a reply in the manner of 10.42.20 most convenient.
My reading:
5.15.09
